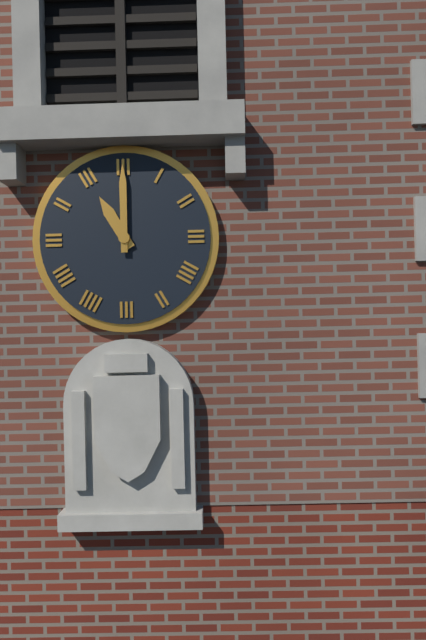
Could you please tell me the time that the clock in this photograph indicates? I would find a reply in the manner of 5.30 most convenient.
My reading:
11.00
